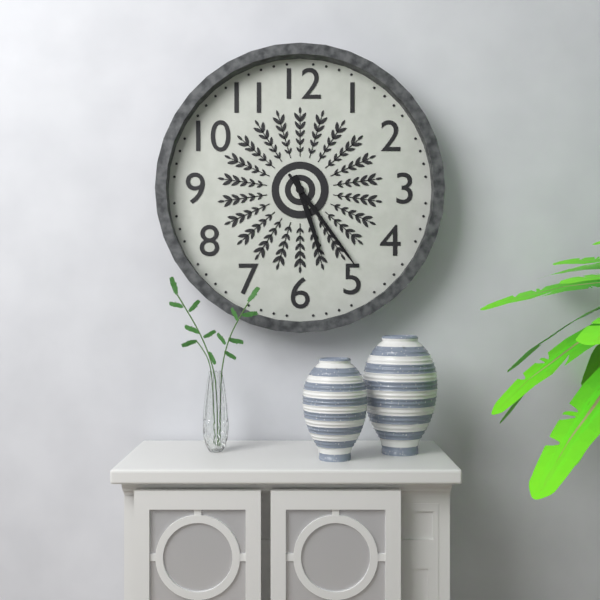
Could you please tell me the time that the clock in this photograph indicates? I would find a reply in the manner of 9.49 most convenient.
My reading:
5.24
